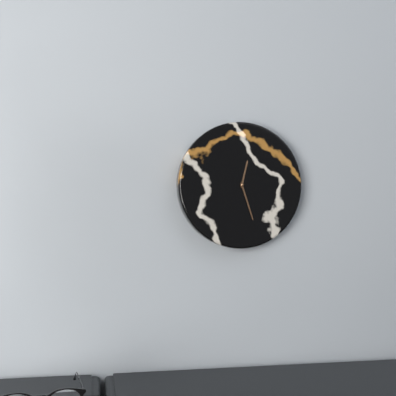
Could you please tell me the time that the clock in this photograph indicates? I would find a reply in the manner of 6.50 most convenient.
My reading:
12.27
